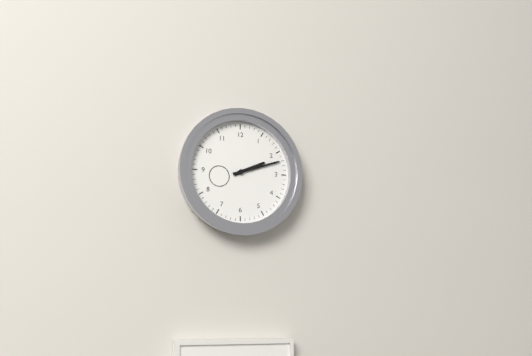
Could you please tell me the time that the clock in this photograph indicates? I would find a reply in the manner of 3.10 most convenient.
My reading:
2.12
